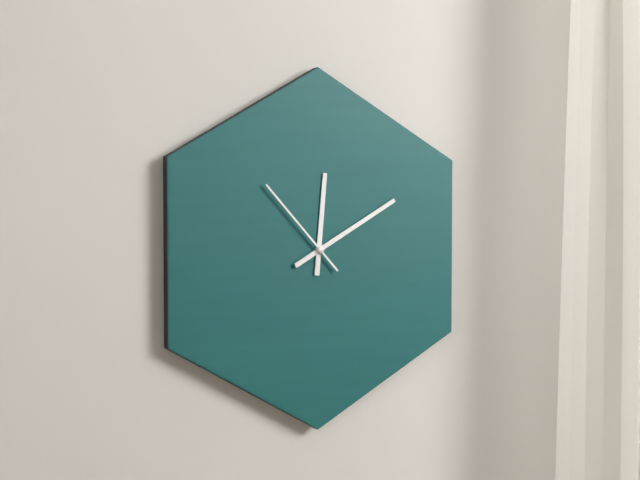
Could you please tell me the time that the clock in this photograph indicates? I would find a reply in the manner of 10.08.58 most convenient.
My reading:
12.10.53
